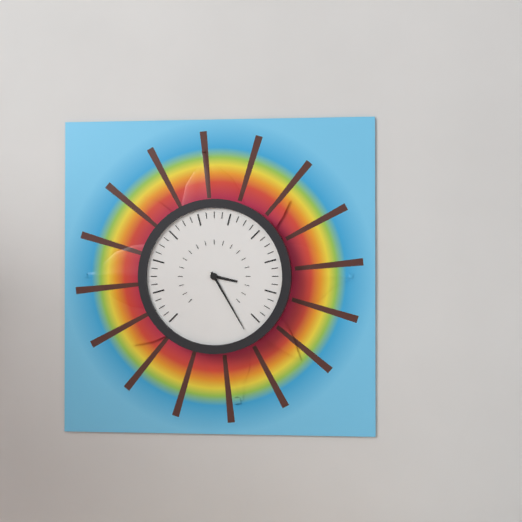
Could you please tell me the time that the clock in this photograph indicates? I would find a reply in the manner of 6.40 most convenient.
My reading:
3.25
